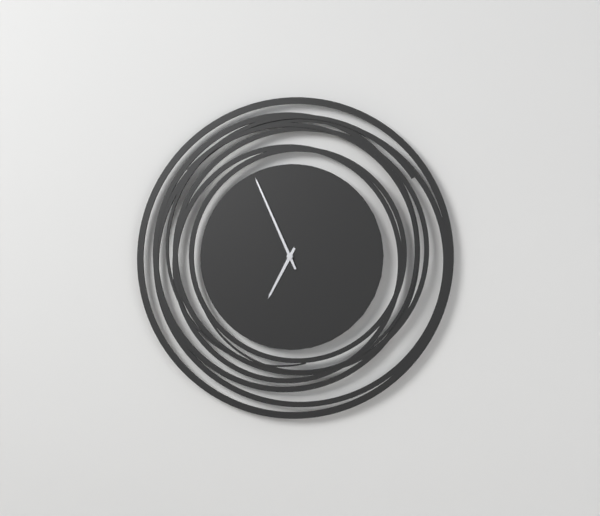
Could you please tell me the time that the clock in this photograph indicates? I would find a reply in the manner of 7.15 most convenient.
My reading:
6.56
